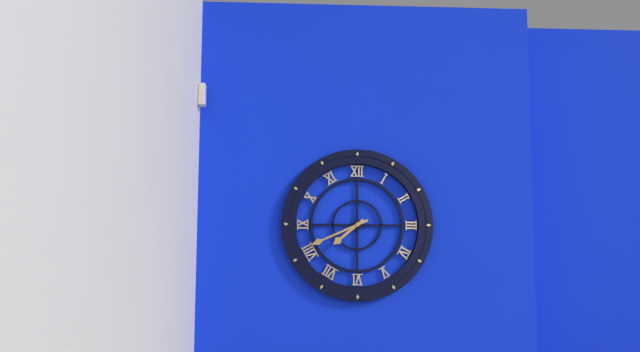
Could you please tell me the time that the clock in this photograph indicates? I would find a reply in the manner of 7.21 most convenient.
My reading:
7.41
